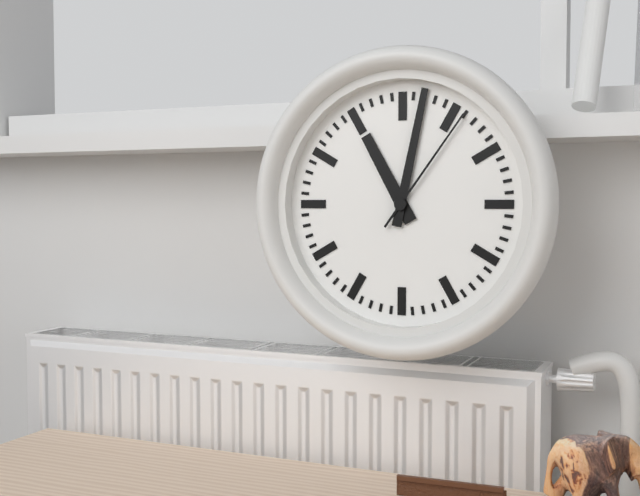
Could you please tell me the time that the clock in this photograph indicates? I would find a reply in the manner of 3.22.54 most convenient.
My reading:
11.02.06
